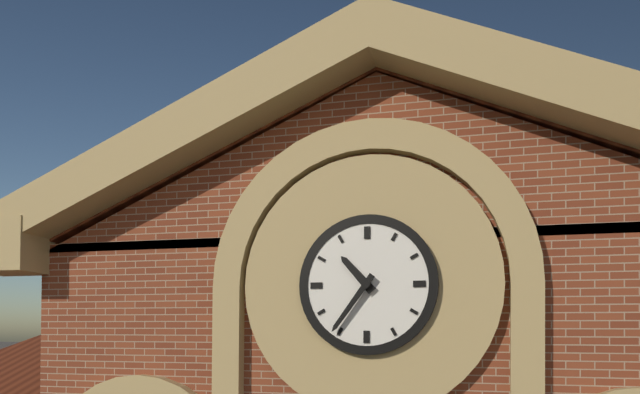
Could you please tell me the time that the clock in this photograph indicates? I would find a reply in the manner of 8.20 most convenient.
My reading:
10.36
